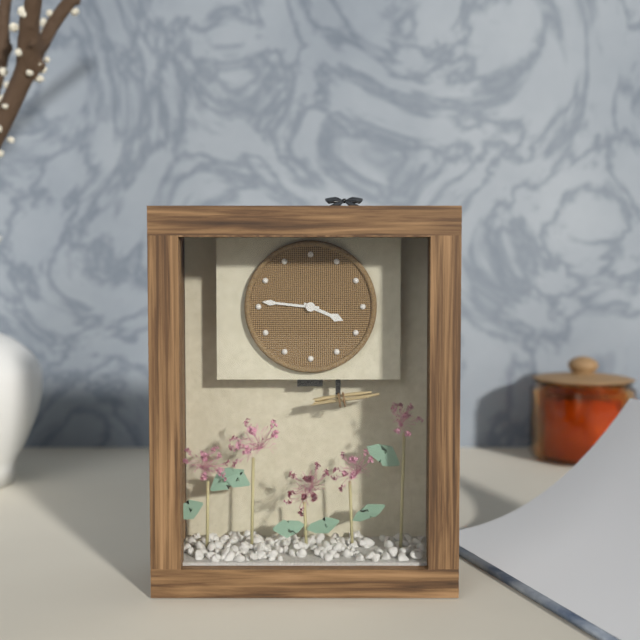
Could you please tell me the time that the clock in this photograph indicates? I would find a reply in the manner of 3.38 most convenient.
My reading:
3.46
